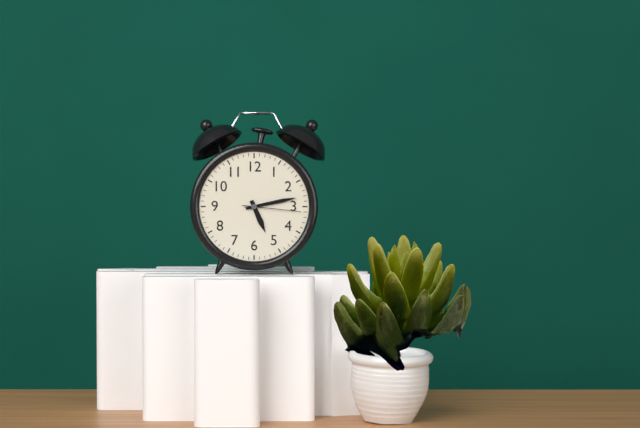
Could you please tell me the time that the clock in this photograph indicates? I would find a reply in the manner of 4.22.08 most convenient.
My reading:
5.13.16
